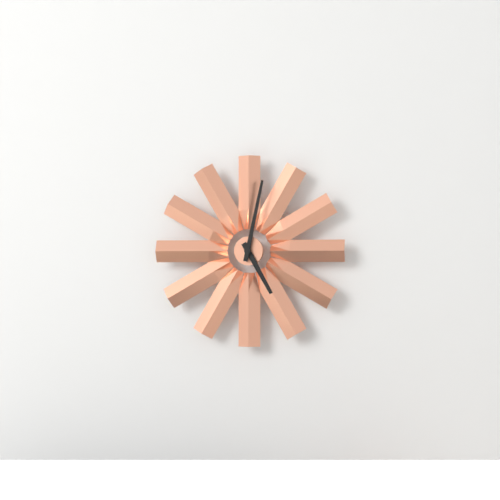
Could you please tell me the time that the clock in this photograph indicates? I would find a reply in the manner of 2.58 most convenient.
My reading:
5.02
